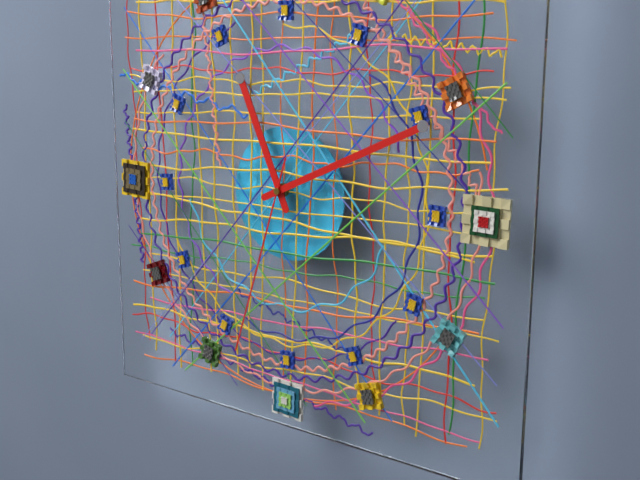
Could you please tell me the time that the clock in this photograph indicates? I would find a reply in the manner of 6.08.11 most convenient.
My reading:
11.11.33
